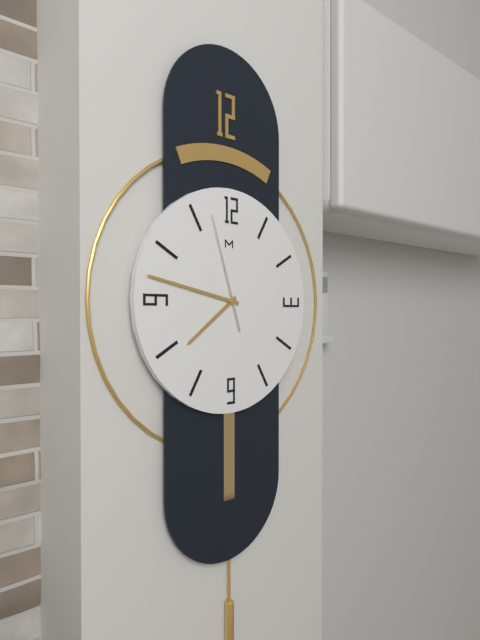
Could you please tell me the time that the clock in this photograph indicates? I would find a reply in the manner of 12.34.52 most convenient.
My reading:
7.47.57
